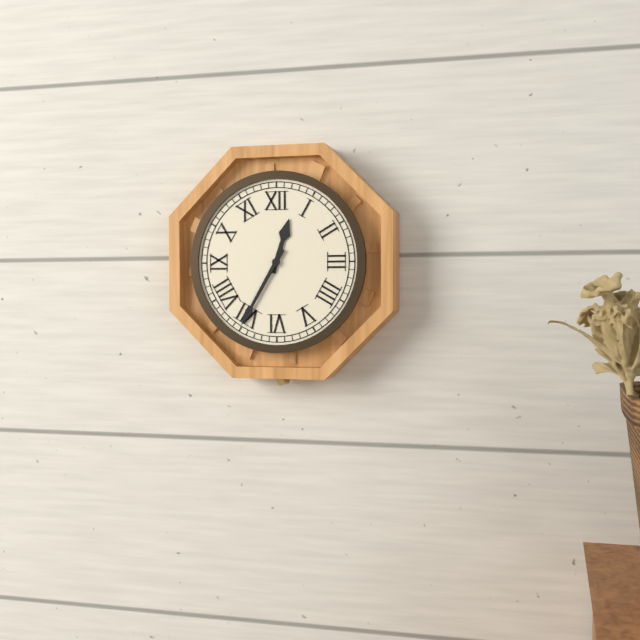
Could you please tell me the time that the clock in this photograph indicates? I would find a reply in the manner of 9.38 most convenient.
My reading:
12.35
